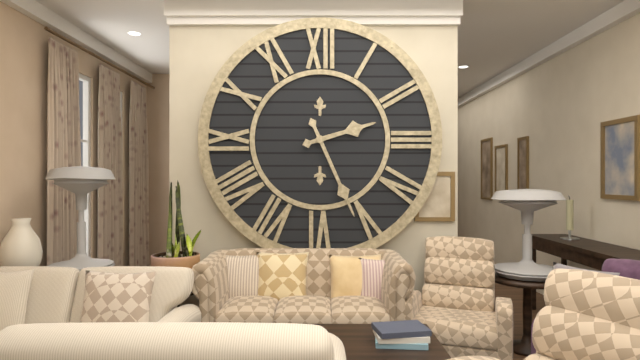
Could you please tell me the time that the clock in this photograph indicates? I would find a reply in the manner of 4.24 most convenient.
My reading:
2.26
